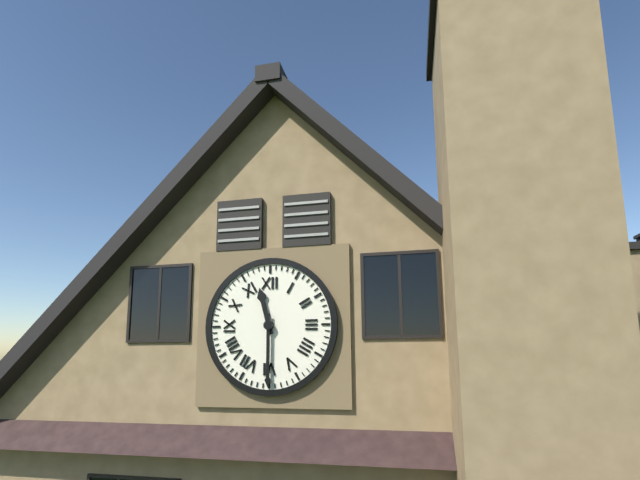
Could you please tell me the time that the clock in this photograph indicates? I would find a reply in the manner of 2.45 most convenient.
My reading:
11.30
